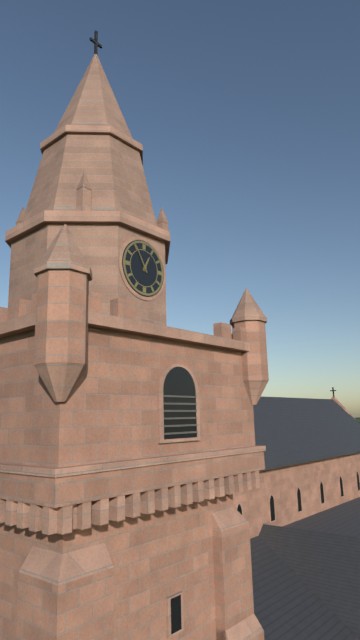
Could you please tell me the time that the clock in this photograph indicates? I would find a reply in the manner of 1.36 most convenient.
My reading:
12.55
